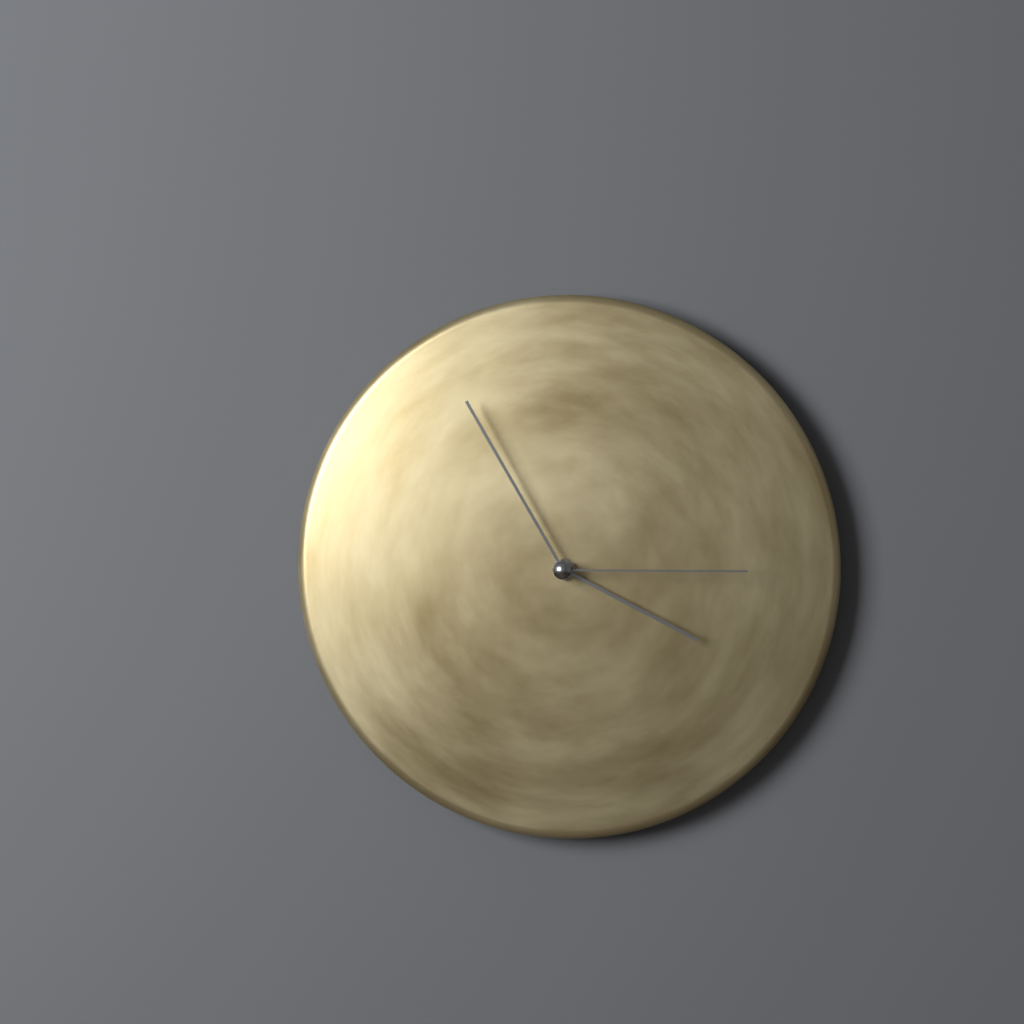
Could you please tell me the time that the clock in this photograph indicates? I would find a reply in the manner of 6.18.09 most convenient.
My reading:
3.55.15
